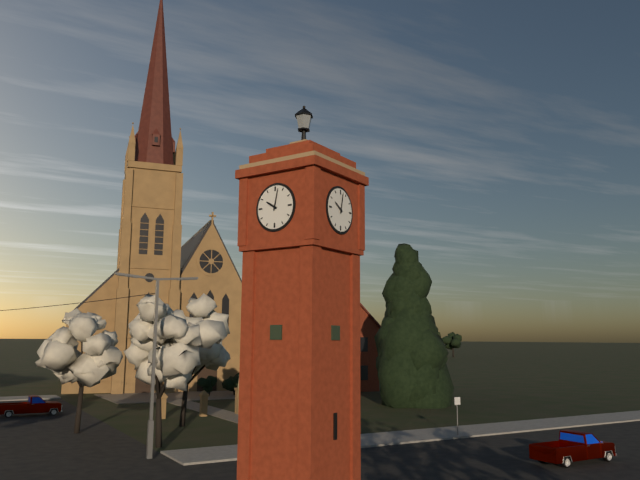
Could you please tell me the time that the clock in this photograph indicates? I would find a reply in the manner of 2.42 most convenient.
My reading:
10.02
